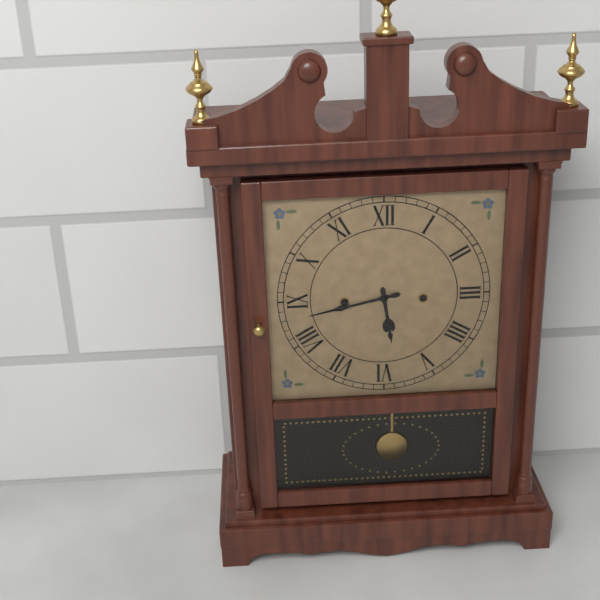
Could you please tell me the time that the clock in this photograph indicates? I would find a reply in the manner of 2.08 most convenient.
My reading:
5.43
